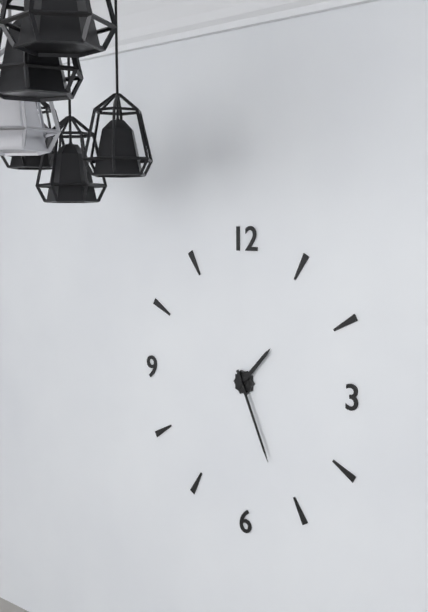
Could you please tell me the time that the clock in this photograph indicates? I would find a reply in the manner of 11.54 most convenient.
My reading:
1.26
